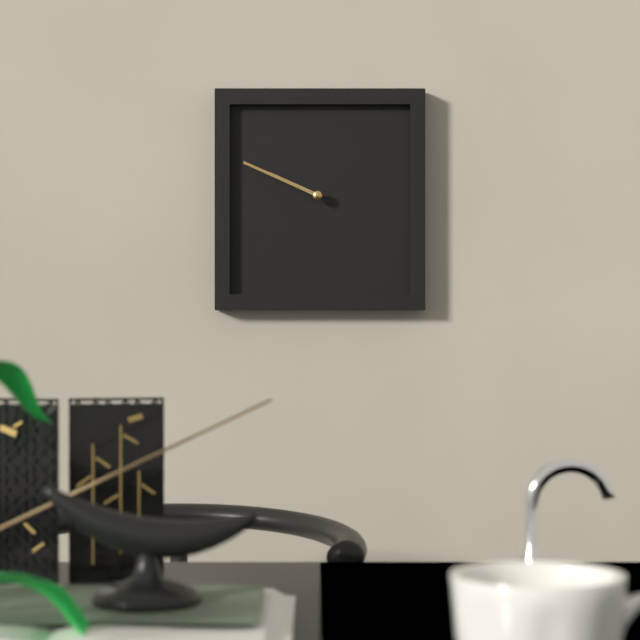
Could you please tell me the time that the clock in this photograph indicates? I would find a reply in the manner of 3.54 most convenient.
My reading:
9.49
